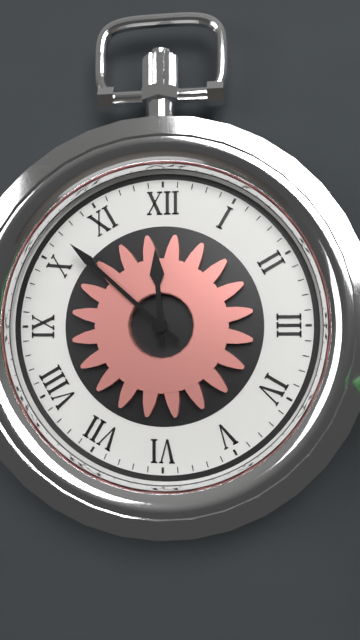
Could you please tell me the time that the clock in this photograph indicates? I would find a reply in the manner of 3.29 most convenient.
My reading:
11.52
